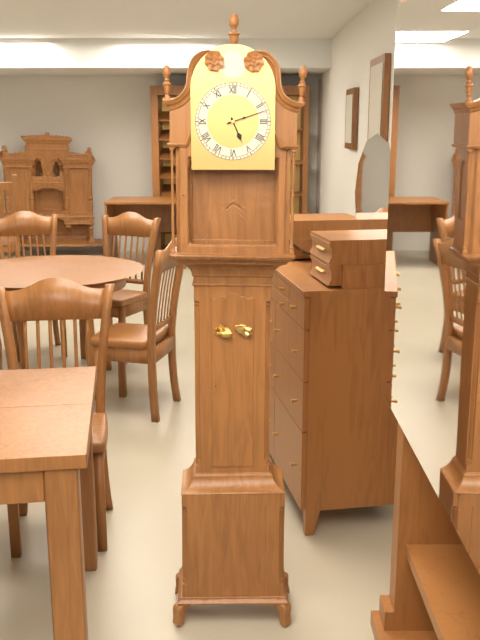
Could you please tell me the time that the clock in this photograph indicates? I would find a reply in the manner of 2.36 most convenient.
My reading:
5.12
